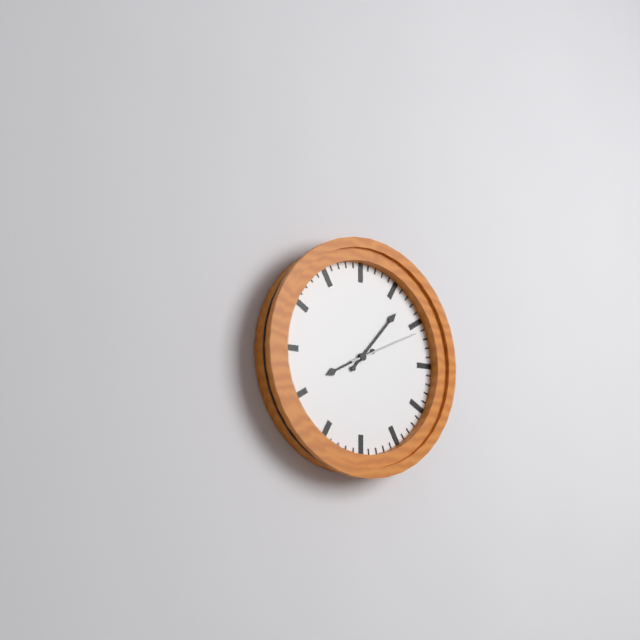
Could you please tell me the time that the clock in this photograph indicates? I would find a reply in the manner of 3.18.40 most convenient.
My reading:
8.07.11
